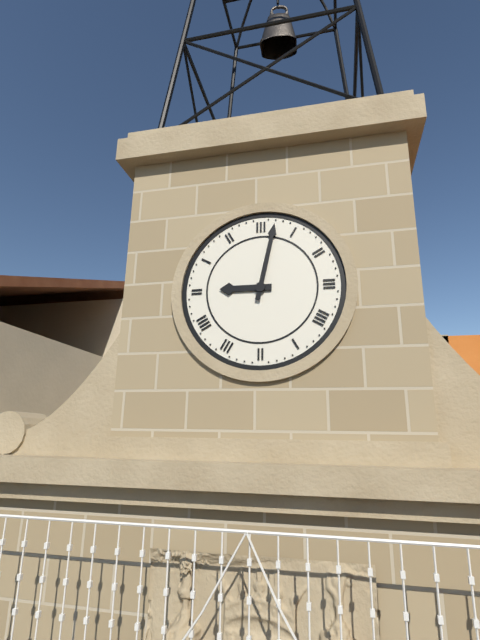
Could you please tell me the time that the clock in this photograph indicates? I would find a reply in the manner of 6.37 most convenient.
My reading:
9.02
